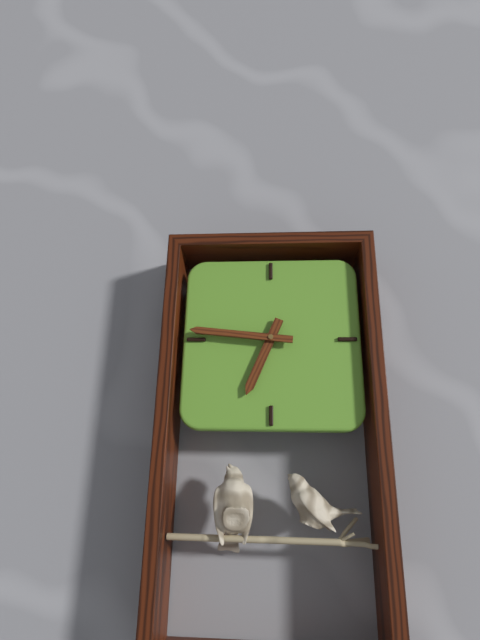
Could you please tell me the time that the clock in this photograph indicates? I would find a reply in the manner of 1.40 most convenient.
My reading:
6.46
